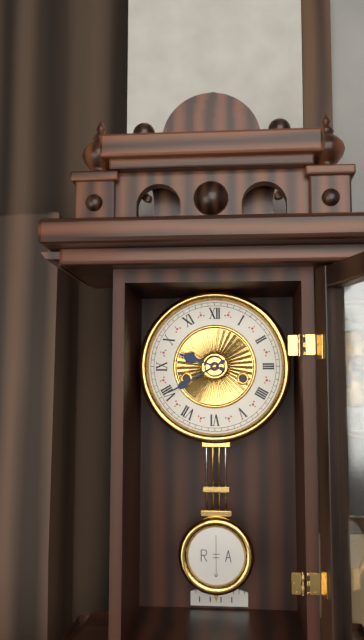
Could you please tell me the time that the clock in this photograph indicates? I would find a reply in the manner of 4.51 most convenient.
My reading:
9.40
